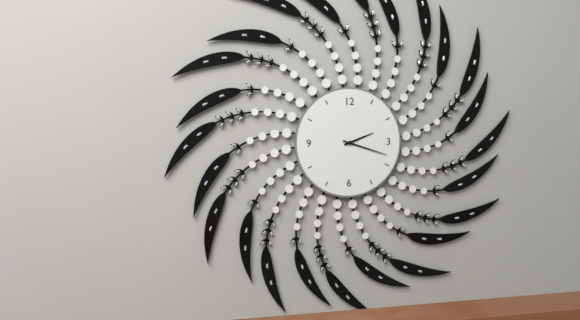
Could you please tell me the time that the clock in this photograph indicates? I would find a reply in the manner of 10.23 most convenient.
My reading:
2.18
